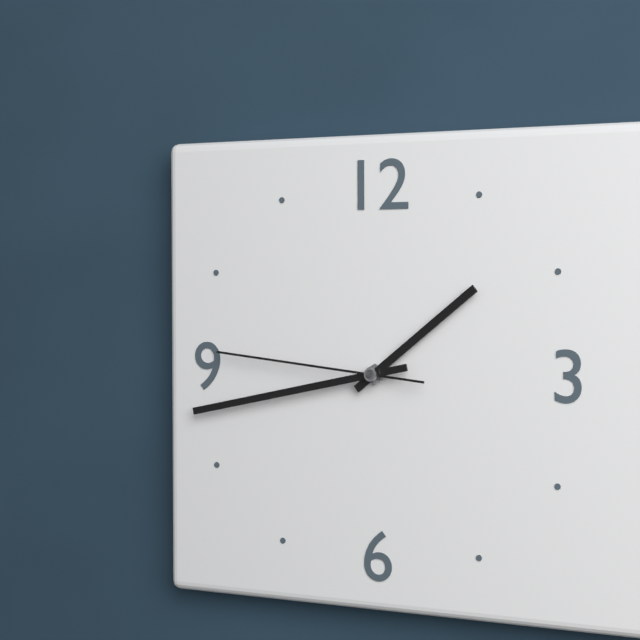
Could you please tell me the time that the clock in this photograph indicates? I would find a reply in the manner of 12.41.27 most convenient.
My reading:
1.43.46
